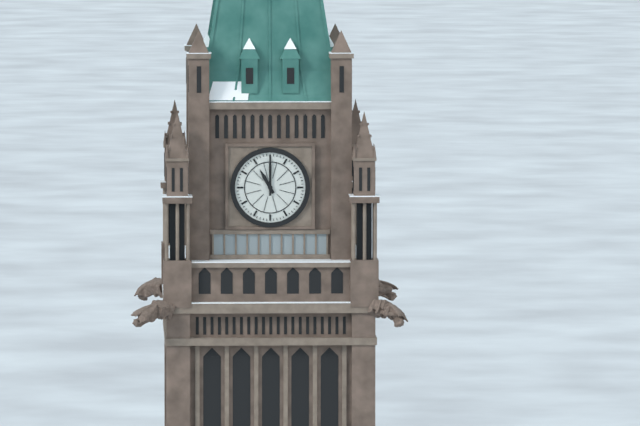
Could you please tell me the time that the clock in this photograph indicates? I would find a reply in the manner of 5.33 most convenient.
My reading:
11.00
